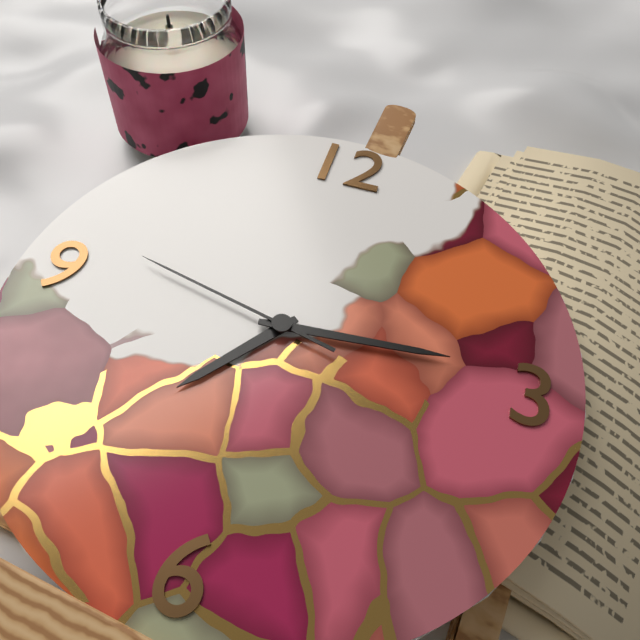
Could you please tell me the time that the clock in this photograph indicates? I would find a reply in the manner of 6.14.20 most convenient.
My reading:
7.14.47
